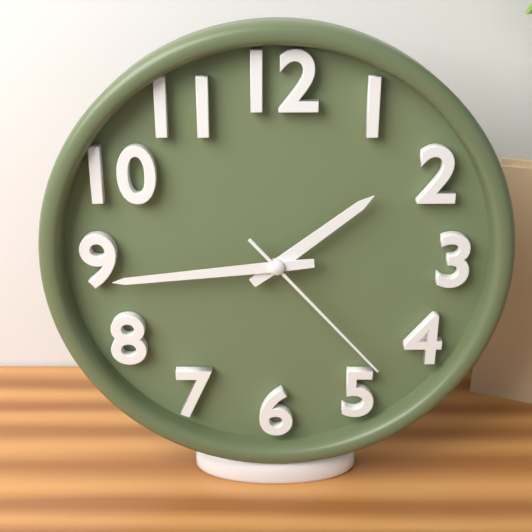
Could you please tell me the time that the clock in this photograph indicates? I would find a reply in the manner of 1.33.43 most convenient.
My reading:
1.44.23
